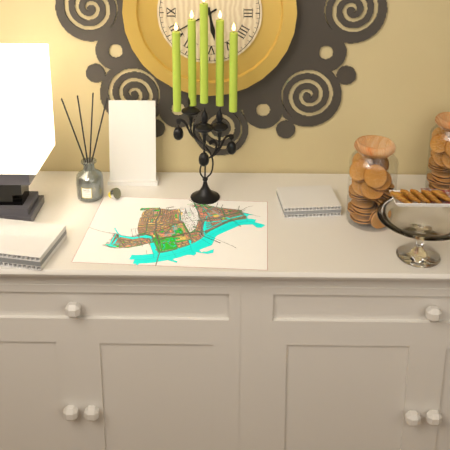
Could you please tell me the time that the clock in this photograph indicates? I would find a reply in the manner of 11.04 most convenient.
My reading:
5.40
